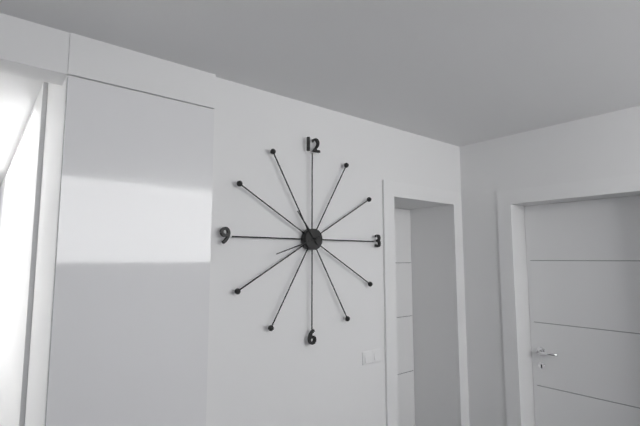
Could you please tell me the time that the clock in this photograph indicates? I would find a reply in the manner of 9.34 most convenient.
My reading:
10.42
